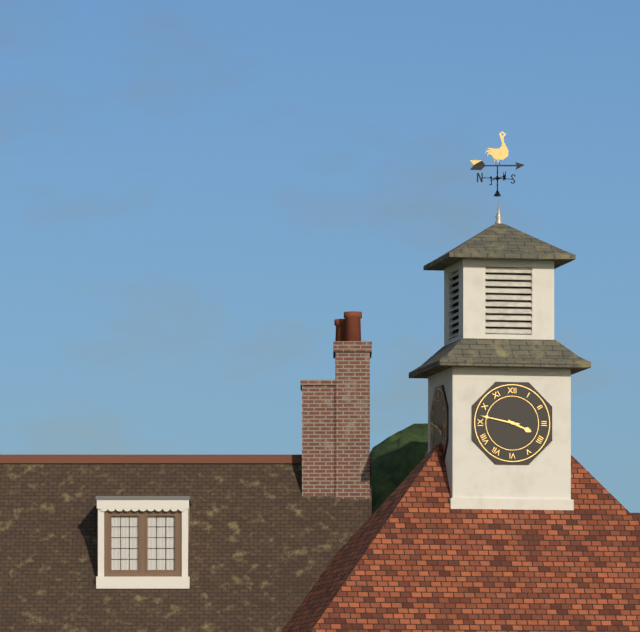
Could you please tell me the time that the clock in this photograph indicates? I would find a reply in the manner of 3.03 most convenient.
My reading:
3.47
